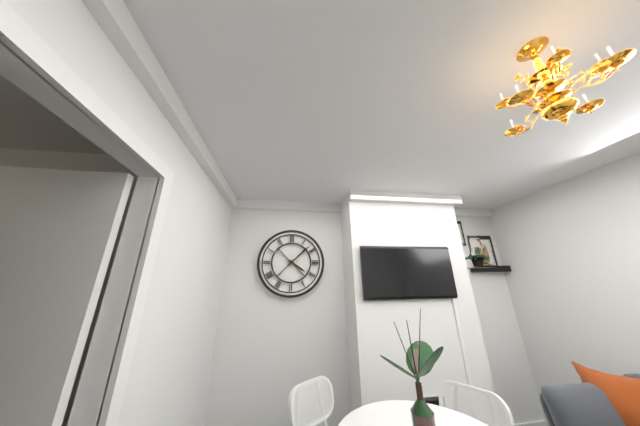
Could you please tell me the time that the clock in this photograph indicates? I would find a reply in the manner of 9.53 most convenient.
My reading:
4.08
